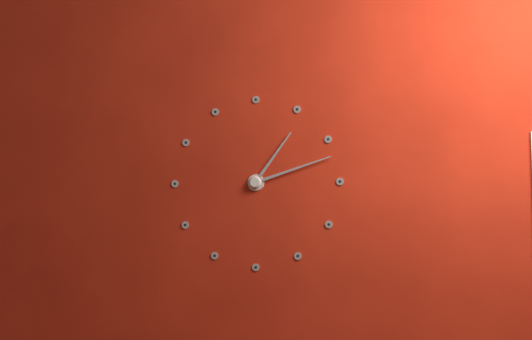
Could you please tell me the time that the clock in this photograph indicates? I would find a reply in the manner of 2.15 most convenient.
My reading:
1.12
